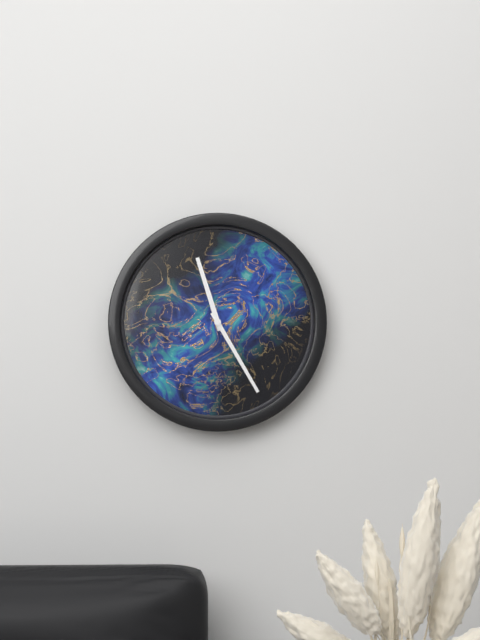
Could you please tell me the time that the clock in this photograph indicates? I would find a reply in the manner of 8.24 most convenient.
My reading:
11.25
